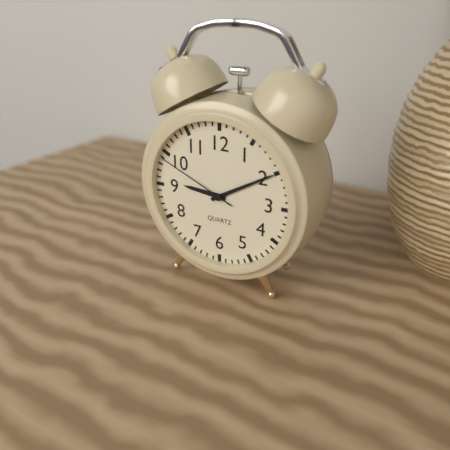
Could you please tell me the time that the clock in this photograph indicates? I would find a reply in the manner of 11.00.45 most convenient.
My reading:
9.10.49
